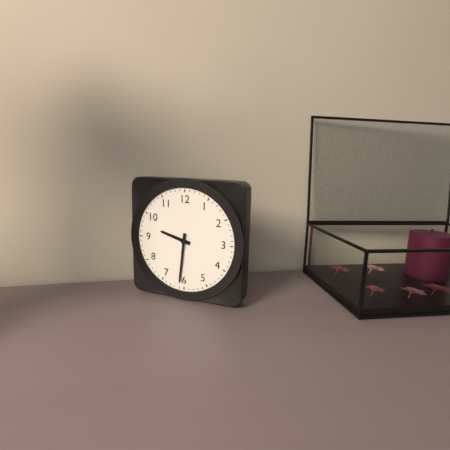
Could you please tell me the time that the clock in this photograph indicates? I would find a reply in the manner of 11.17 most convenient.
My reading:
9.31
